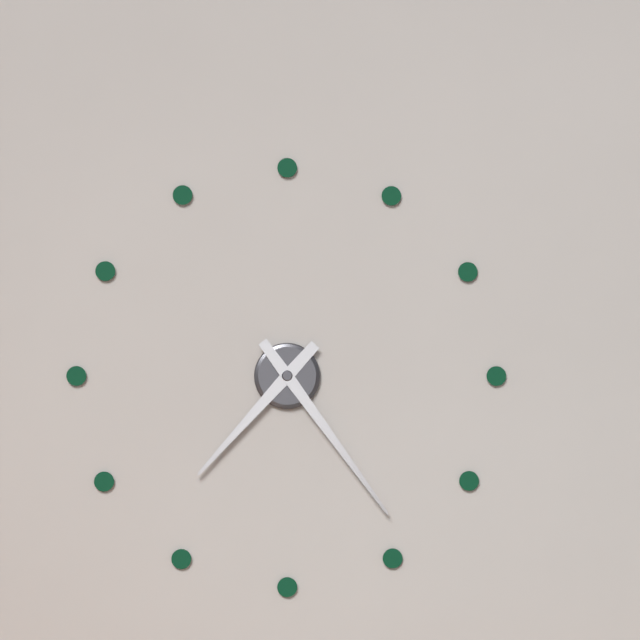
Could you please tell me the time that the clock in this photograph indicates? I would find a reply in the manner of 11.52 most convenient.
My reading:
7.24
